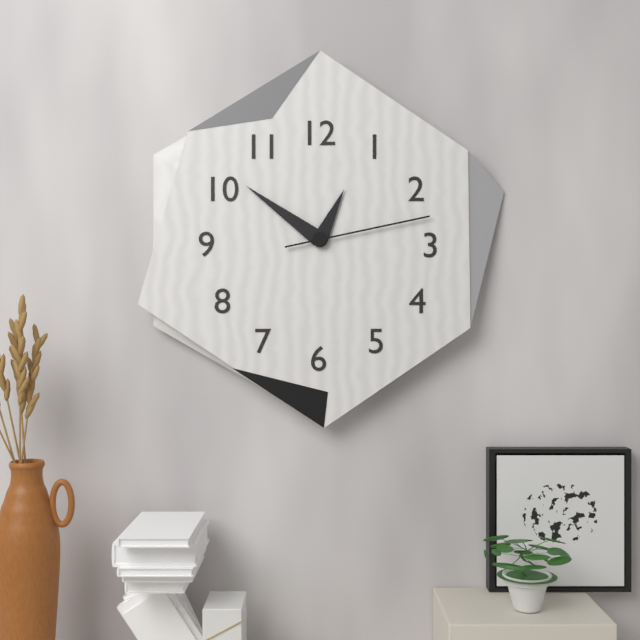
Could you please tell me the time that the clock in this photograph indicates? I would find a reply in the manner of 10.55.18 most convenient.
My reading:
12.51.13
